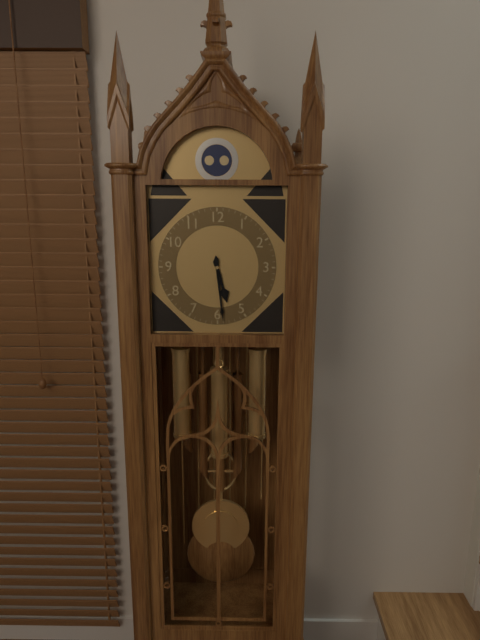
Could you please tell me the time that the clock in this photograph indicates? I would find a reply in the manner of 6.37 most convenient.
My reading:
5.29
